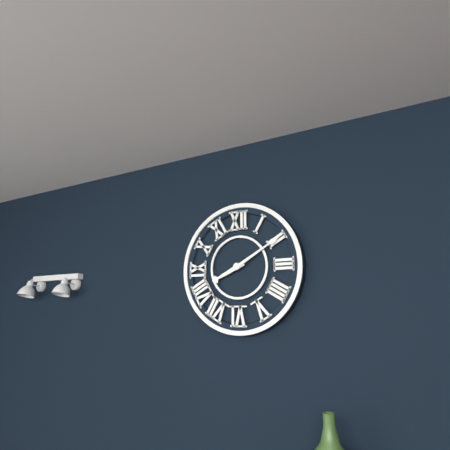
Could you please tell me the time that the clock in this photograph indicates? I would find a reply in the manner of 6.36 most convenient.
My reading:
8.10
